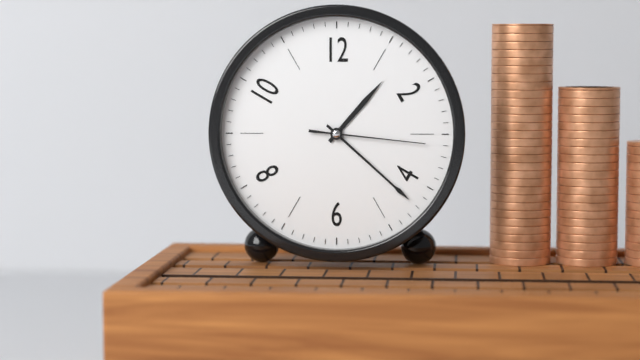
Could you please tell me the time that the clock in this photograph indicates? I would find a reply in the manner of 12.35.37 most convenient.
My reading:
1.22.16
